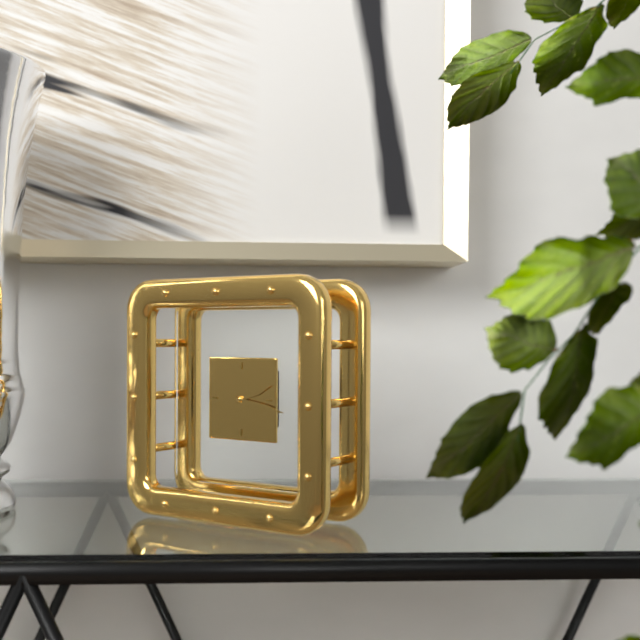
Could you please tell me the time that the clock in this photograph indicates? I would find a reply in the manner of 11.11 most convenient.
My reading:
2.17
